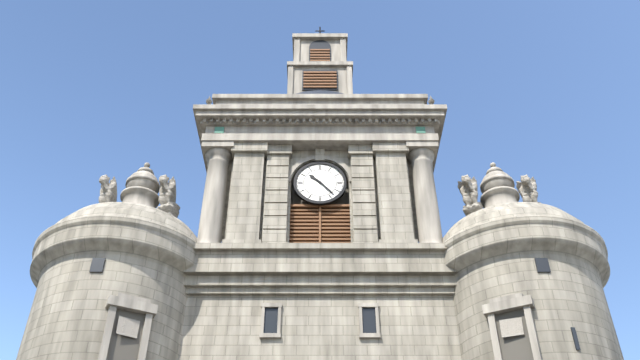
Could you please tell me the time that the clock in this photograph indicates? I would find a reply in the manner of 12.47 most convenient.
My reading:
10.23
